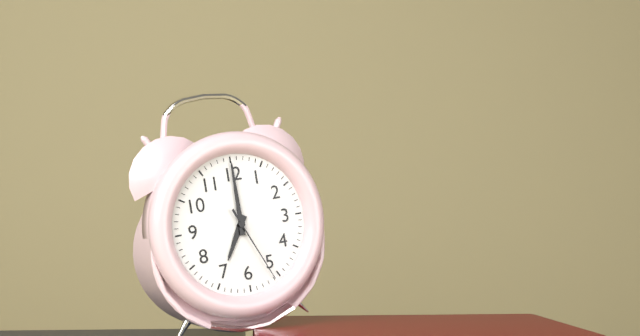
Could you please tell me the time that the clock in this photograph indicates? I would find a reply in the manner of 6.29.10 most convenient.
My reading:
7.00.26
